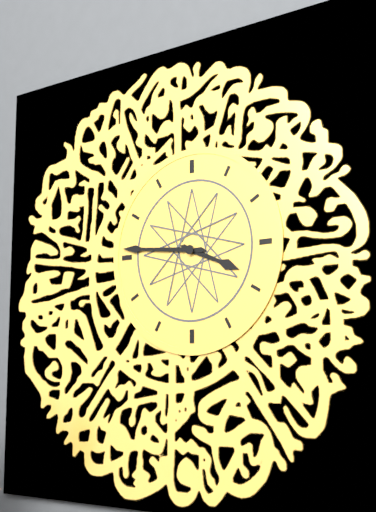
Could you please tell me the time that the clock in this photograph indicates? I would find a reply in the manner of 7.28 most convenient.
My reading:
3.46
